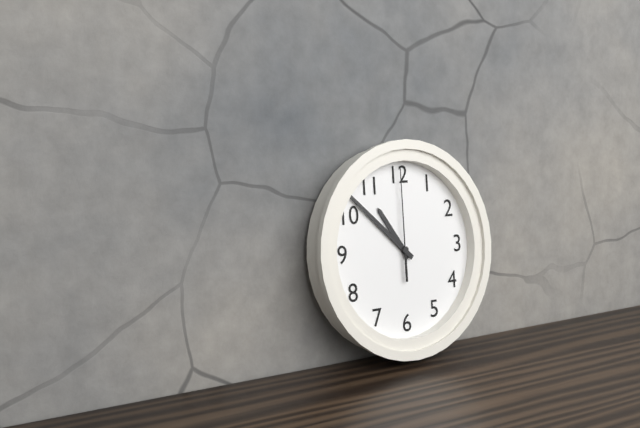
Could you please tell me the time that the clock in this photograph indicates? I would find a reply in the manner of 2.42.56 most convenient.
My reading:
10.52.00
